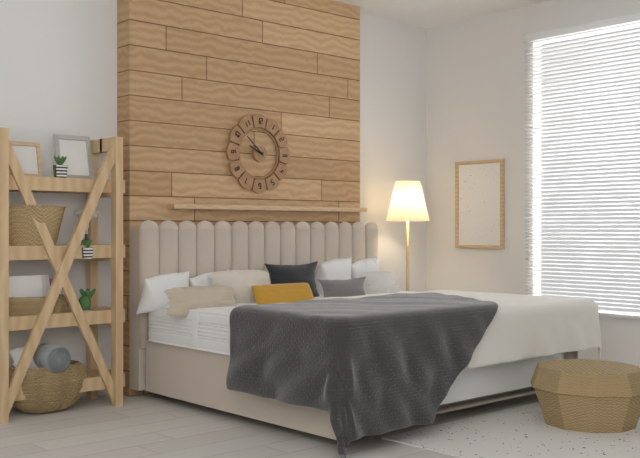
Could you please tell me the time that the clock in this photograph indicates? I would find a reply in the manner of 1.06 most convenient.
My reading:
9.52
